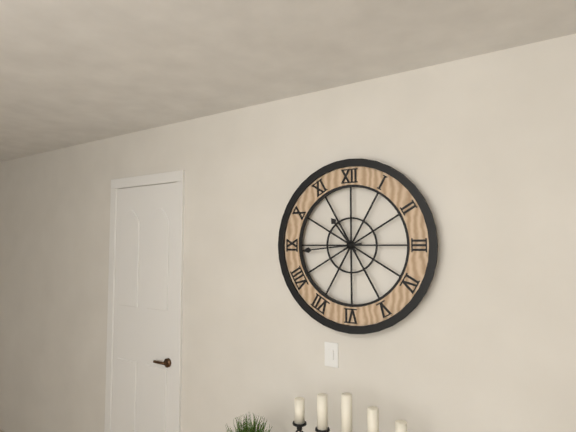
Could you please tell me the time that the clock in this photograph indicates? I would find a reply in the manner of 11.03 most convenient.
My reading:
10.44
